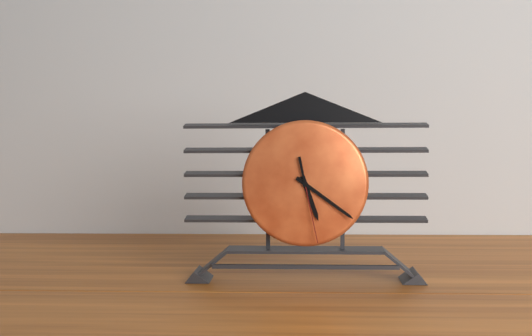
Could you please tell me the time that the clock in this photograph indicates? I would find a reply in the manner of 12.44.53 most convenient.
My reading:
5.21.28
